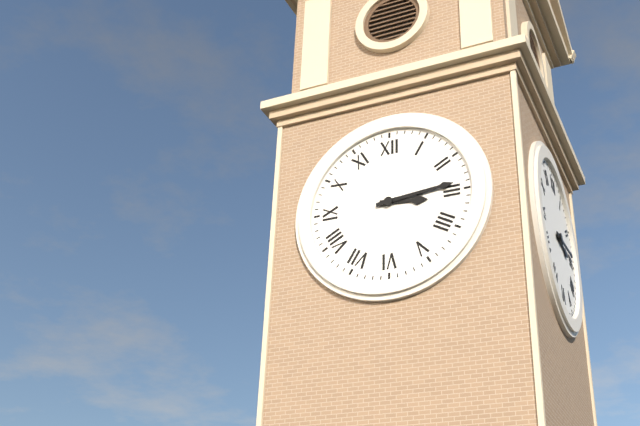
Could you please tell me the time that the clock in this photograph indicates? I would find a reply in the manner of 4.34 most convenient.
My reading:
3.14
